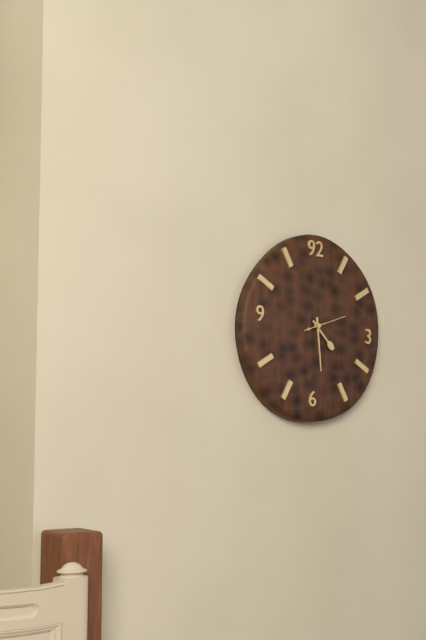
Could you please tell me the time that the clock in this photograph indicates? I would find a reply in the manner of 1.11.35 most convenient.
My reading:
4.29.12
